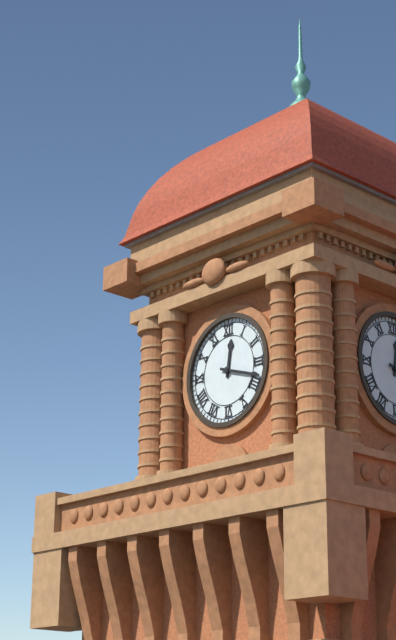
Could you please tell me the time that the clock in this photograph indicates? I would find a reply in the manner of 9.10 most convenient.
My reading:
12.18
